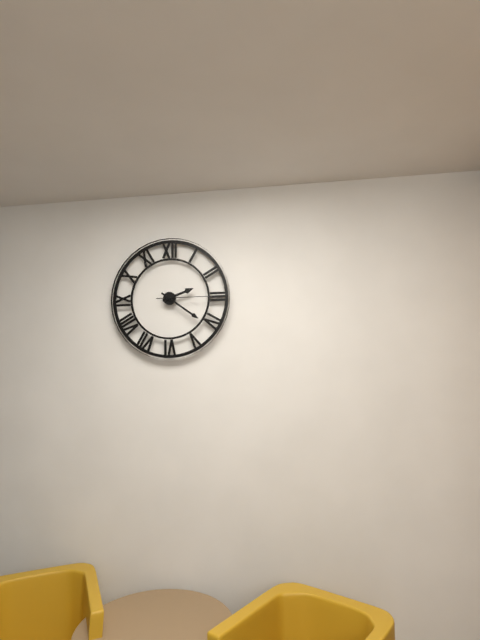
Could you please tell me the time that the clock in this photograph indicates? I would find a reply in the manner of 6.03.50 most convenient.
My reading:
2.21.15
